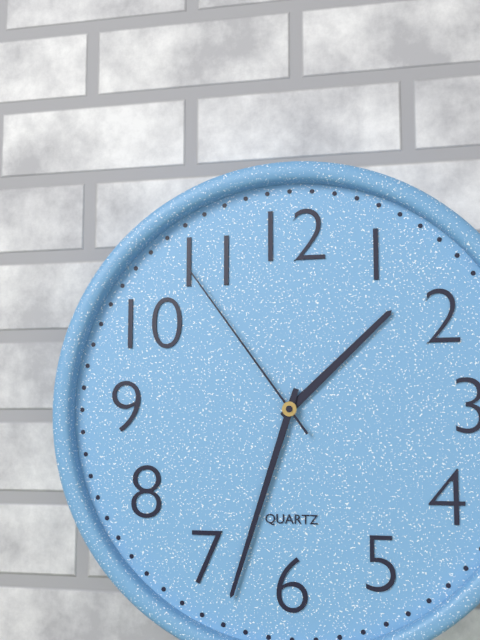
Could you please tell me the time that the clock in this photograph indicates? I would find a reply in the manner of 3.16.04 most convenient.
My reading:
1.33.54
